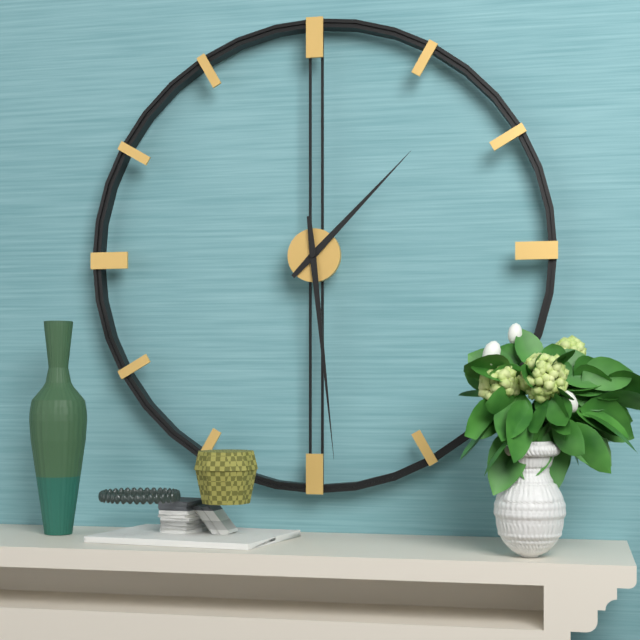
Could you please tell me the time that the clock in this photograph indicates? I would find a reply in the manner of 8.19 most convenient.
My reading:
1.29
